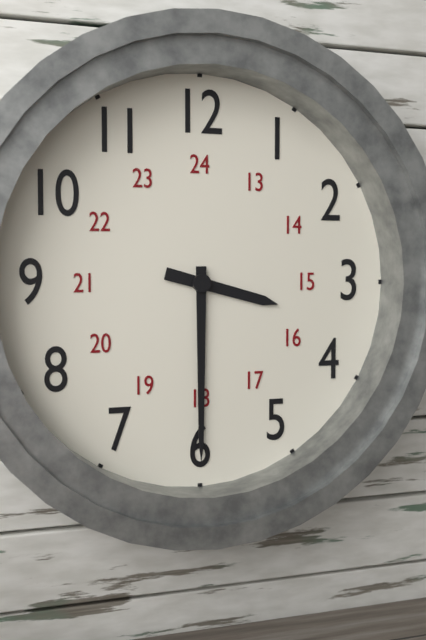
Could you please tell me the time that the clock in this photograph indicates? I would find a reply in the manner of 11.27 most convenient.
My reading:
3.30
